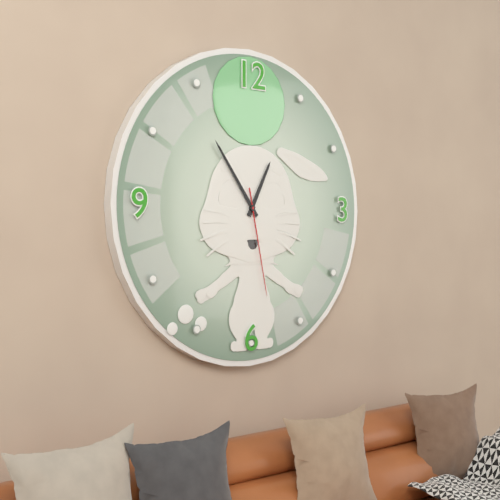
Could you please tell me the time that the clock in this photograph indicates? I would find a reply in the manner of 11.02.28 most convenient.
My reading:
12.54.28
